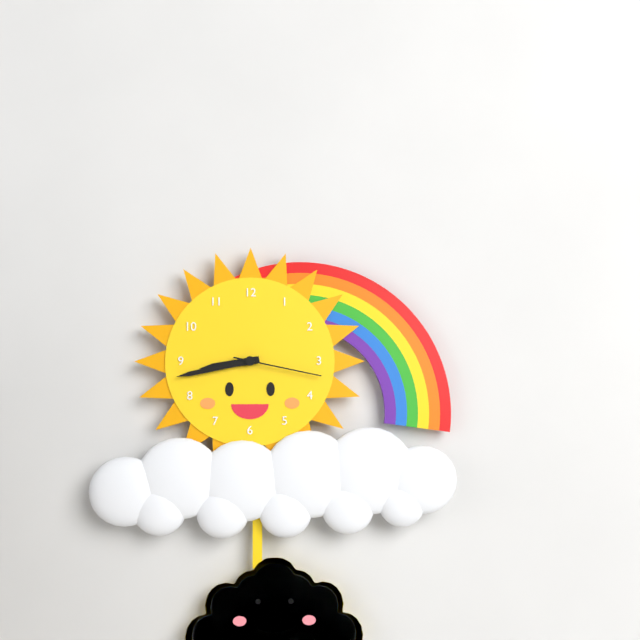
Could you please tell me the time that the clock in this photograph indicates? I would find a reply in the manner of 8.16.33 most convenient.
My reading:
8.43.17
